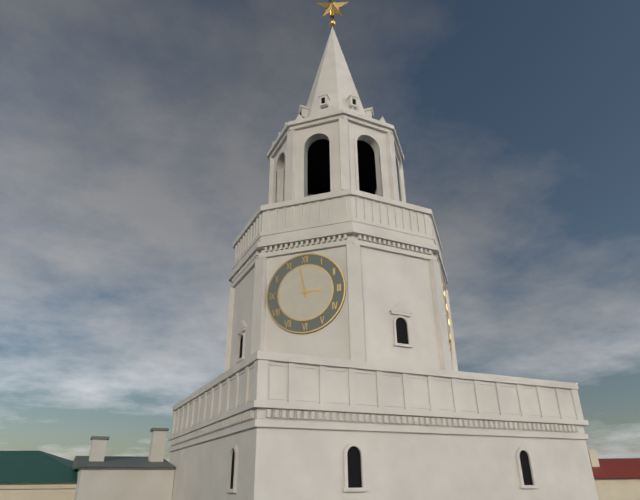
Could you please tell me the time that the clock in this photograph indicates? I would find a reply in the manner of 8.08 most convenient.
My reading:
2.58
